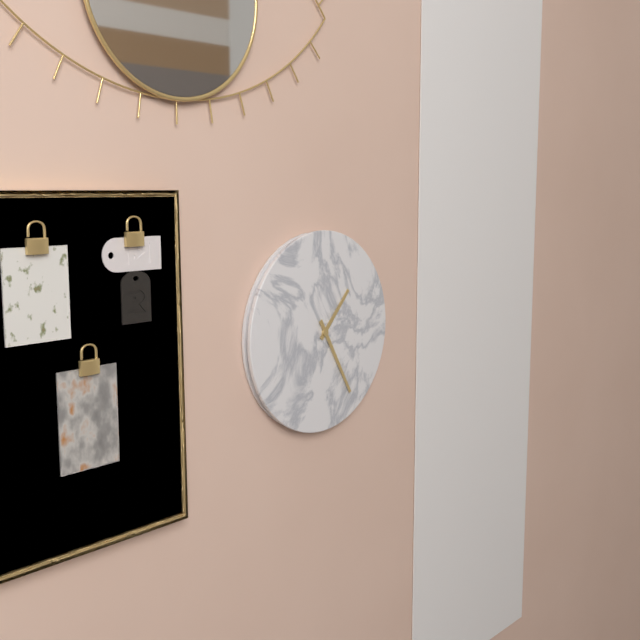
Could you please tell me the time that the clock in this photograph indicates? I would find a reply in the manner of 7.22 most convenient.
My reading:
1.25
